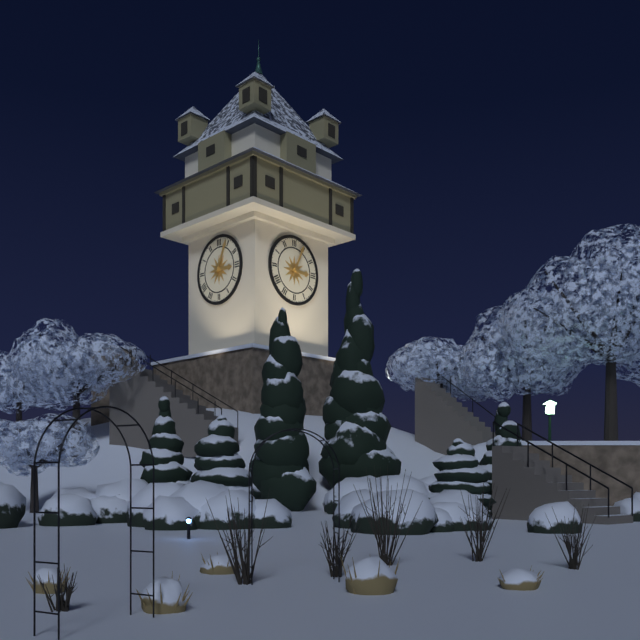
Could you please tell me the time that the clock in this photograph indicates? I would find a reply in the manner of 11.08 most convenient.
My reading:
3.04
